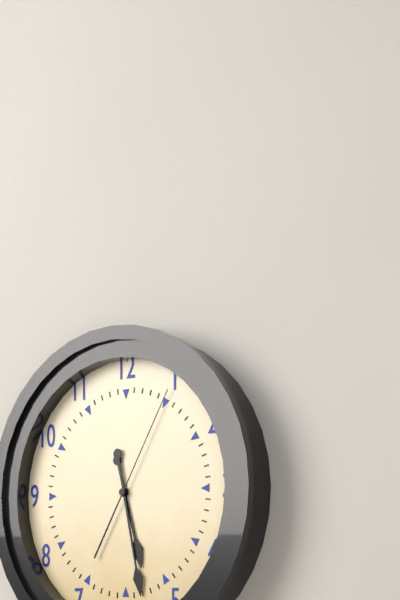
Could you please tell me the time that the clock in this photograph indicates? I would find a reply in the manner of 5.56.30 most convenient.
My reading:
5.28.05
